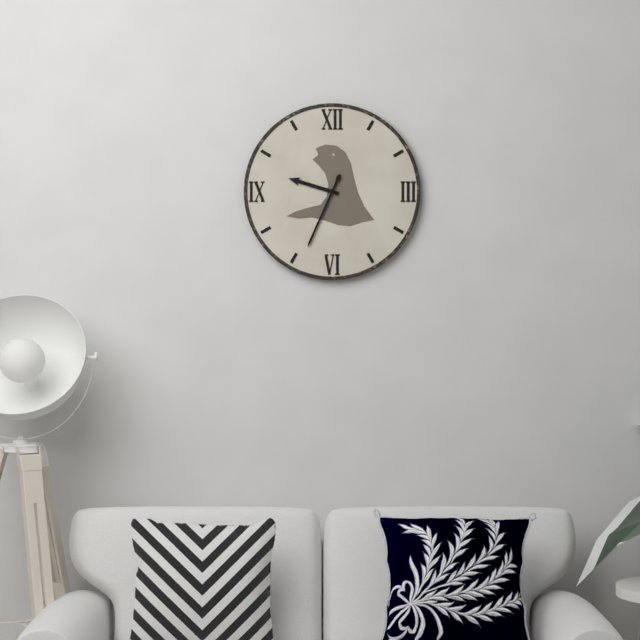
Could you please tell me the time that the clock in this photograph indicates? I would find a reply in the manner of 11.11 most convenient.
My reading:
9.34
